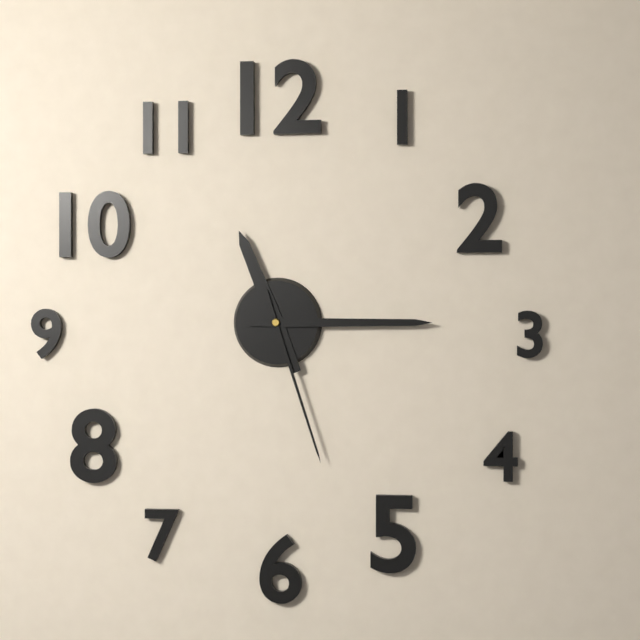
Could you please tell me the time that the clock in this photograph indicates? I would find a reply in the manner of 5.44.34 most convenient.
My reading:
11.15.27
